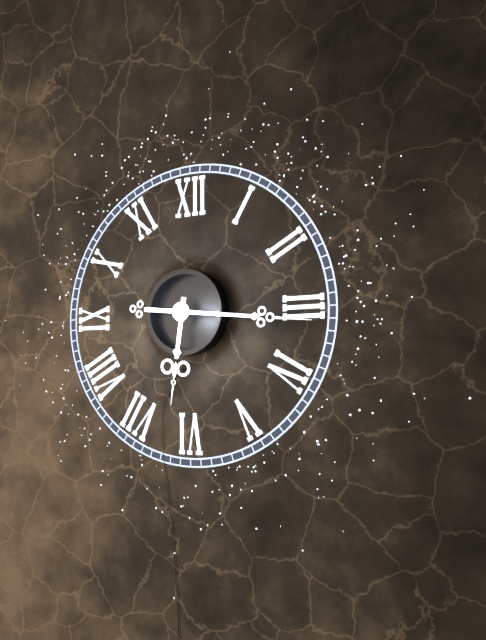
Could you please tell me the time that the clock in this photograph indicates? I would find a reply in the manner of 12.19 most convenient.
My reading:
6.16
